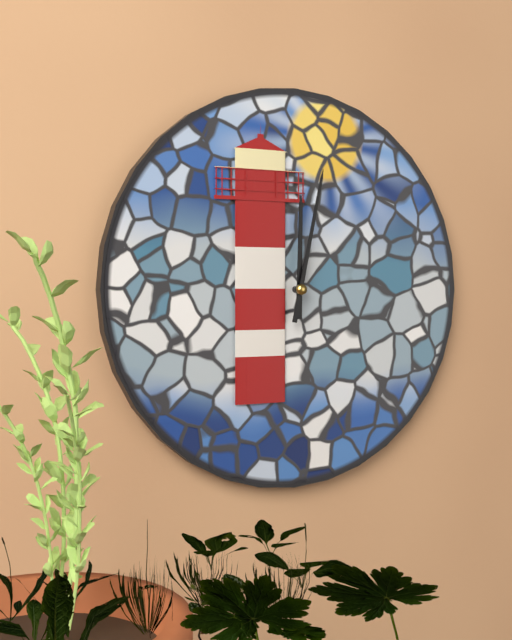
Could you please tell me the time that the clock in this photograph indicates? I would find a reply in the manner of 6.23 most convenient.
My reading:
12.02
